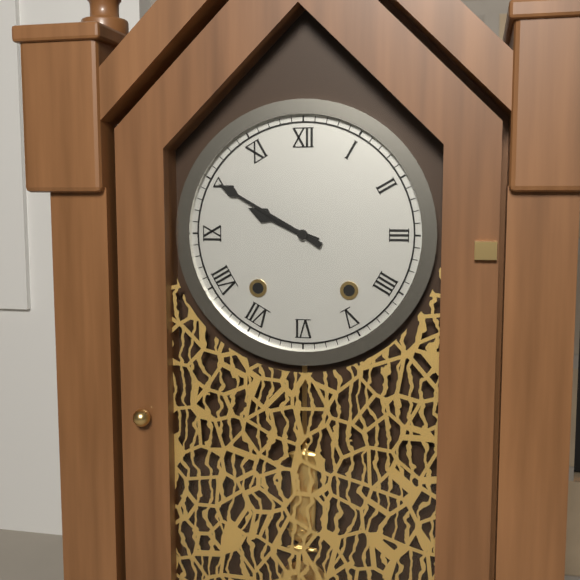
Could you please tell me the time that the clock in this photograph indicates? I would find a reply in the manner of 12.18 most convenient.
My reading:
9.50
